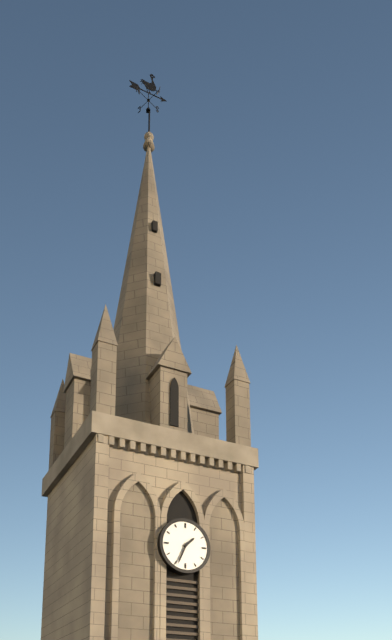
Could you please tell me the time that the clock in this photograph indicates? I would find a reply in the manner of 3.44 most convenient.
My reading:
1.34
